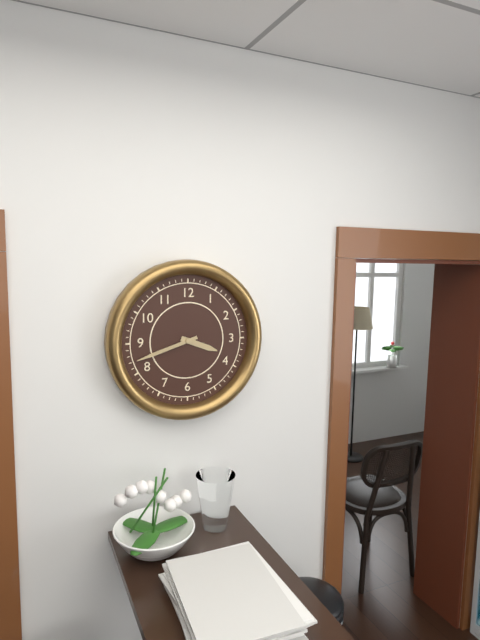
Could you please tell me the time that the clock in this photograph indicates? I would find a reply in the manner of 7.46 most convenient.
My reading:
3.42
